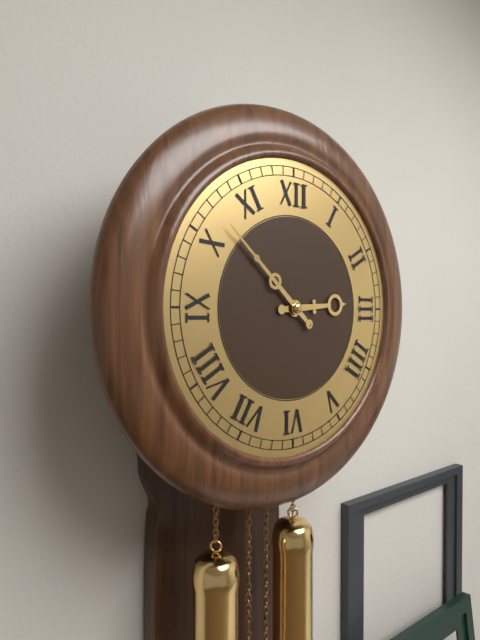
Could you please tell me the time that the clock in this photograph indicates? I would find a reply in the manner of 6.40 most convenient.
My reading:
2.52
